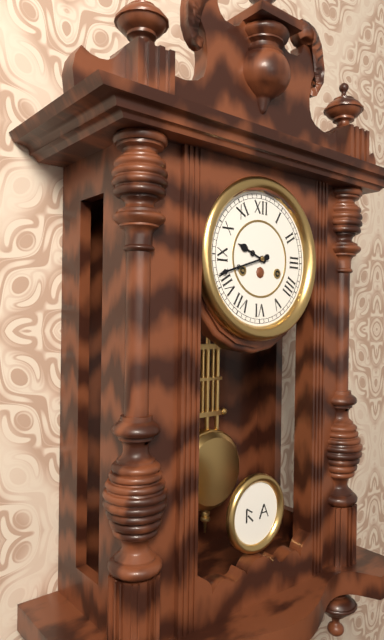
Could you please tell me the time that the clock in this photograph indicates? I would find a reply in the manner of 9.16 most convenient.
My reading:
9.42
